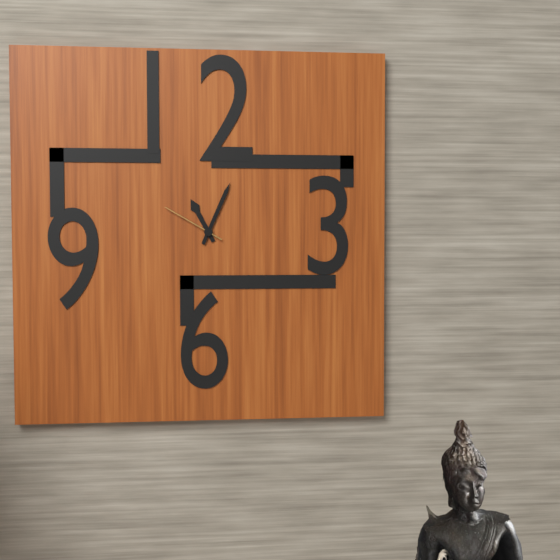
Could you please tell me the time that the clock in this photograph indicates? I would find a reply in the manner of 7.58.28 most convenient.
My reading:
11.04.50
